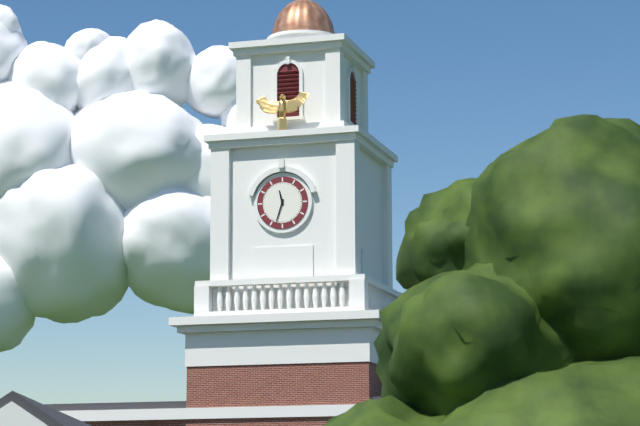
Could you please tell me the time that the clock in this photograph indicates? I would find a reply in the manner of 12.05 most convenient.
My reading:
11.33
